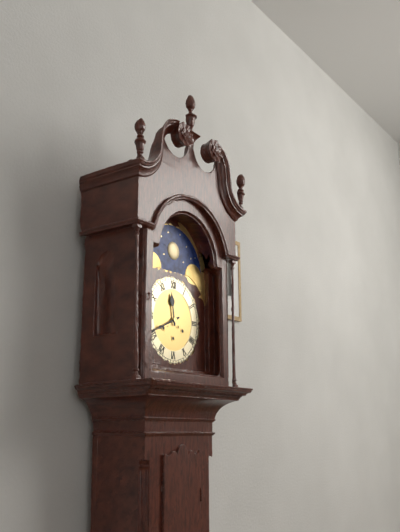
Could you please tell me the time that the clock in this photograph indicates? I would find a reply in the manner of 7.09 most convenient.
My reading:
11.41
